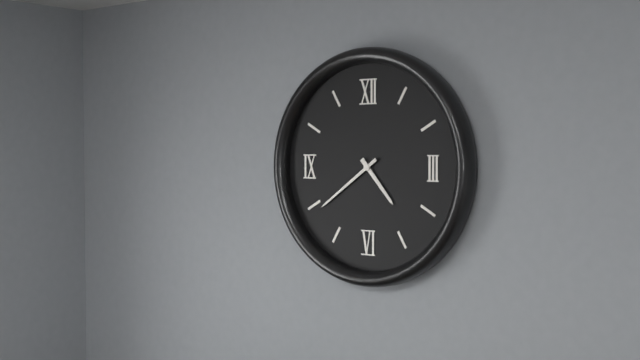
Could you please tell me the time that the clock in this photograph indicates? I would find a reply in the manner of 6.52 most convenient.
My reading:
4.39
